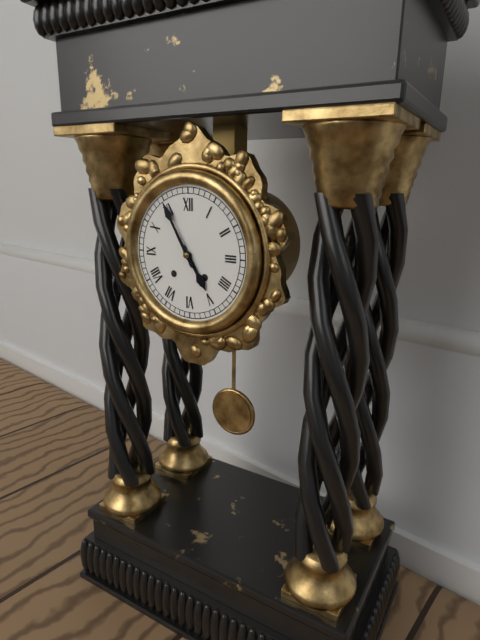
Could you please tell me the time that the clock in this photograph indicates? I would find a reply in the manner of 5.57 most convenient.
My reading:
4.55
